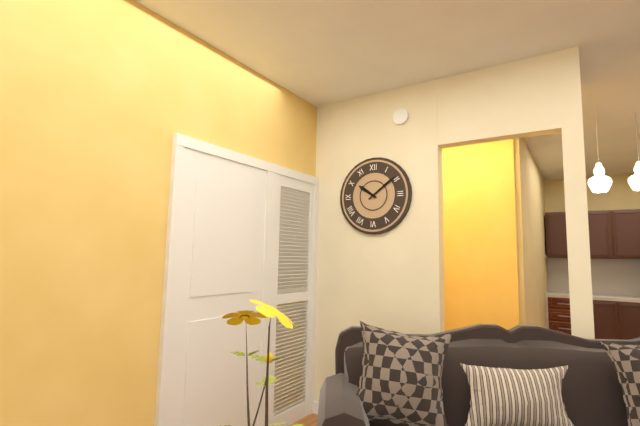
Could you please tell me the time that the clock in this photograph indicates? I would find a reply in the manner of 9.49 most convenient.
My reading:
10.09
